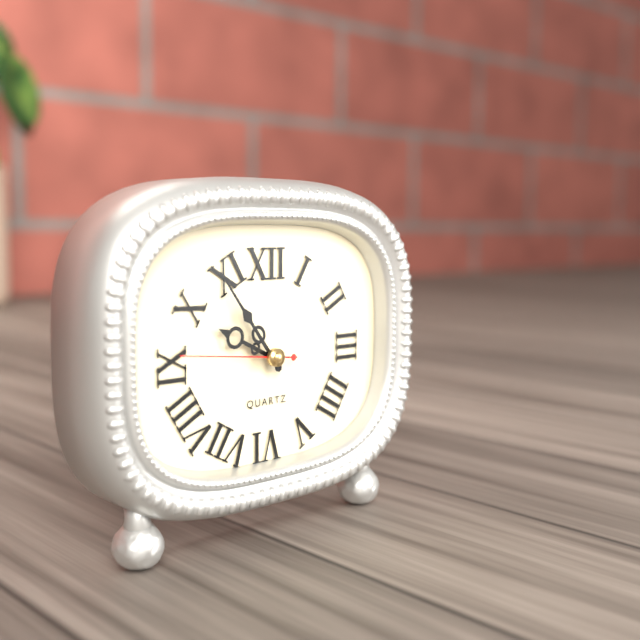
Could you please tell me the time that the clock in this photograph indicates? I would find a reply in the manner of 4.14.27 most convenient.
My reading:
9.54.46
